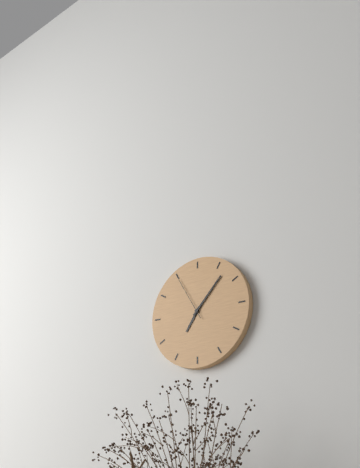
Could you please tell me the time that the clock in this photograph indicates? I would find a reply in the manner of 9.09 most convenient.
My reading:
7.07
